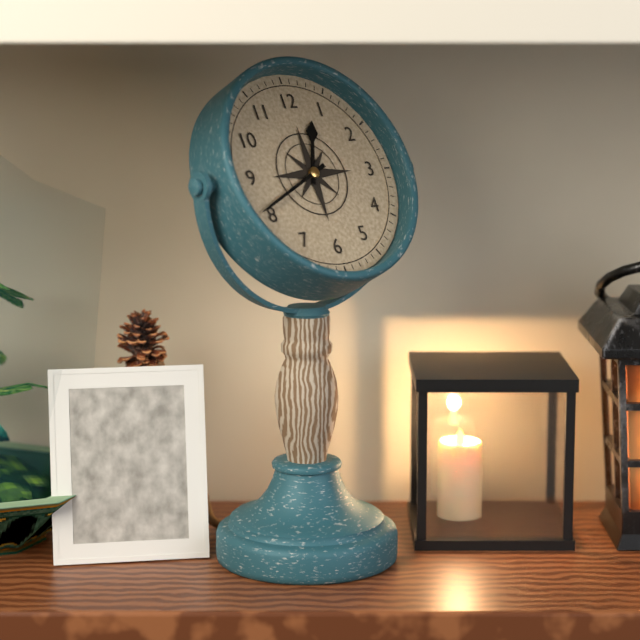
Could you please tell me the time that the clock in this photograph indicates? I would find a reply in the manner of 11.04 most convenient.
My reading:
12.41
